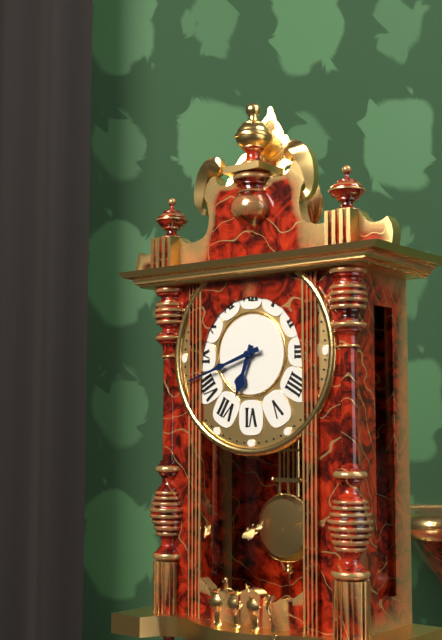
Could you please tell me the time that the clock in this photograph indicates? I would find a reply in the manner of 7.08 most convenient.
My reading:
6.42
